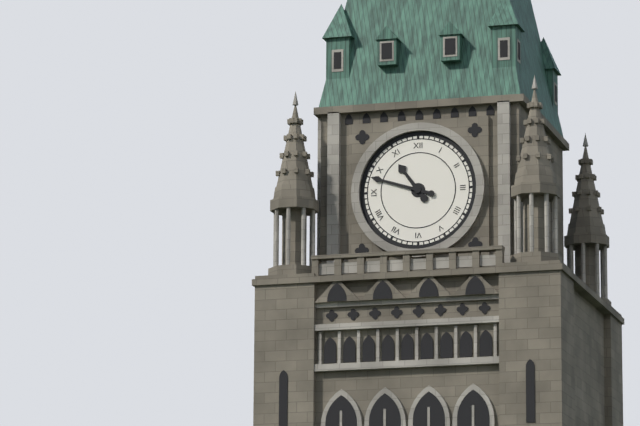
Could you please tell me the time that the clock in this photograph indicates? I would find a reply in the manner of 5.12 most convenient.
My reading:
10.48
